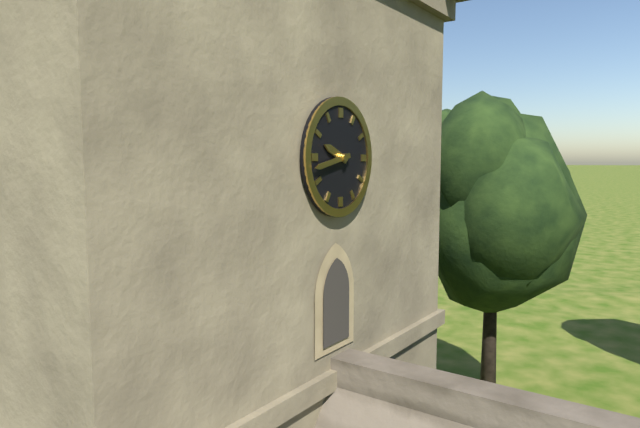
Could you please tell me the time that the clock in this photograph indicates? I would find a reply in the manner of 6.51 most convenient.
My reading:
9.43
